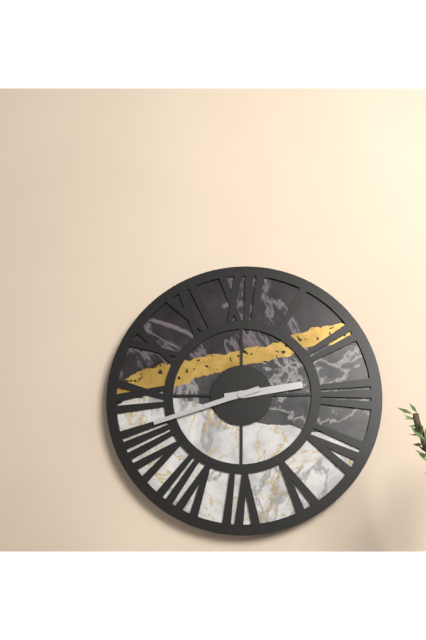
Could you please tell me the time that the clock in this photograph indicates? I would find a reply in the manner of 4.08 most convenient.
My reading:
2.42
